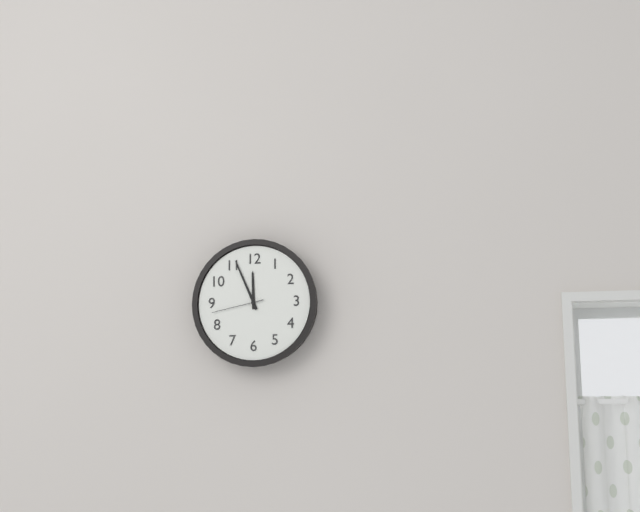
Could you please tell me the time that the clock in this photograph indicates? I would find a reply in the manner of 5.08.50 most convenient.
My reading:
11.56.43
